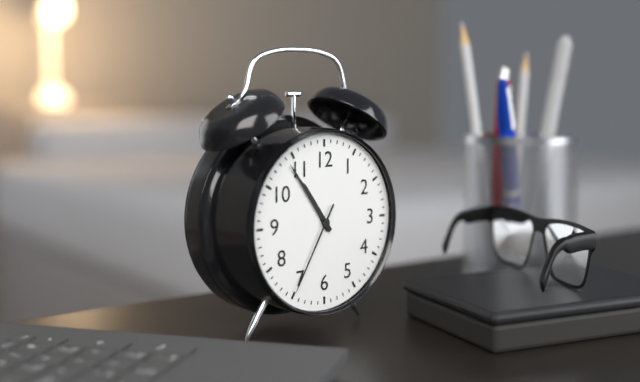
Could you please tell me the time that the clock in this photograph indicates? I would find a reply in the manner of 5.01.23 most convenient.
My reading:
10.54.35
